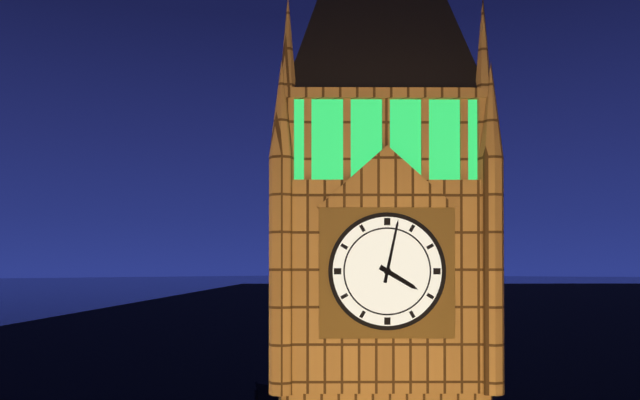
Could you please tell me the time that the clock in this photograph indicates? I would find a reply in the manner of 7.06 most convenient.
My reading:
4.02
